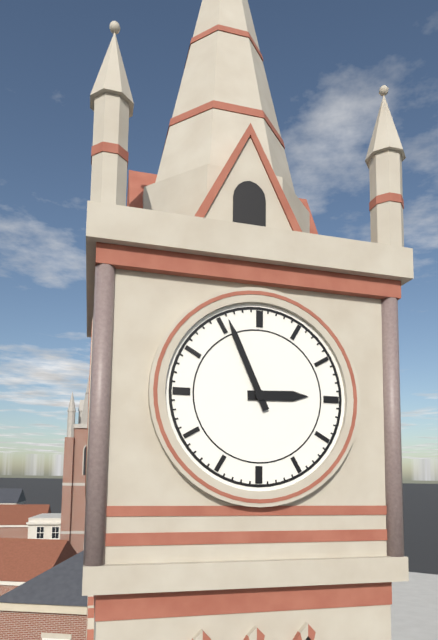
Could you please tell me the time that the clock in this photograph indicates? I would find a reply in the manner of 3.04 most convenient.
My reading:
2.56
